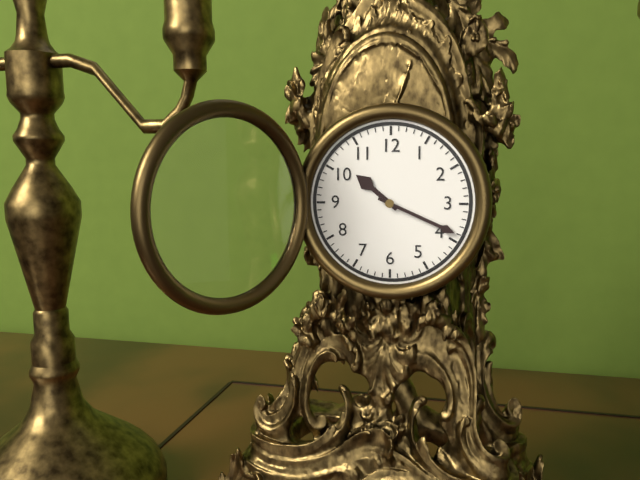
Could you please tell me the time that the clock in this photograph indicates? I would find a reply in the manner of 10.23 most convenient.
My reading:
10.19
